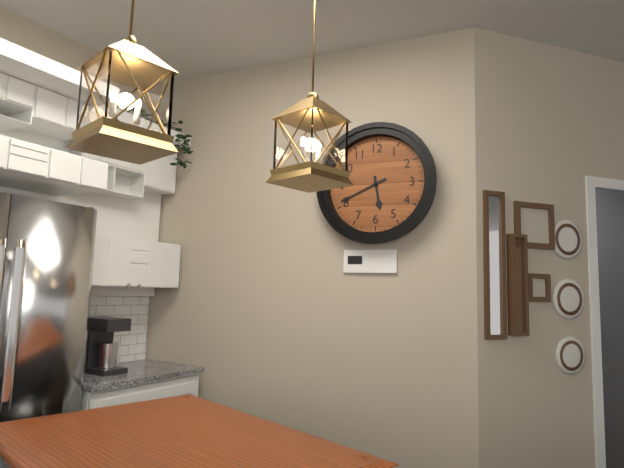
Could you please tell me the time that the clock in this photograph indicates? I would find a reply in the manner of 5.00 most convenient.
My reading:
5.41
